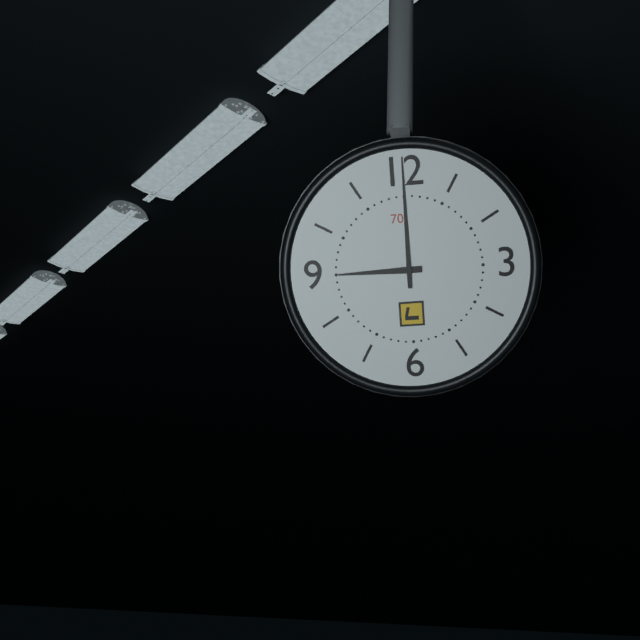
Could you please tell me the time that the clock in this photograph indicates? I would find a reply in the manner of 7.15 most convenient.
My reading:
9.00
